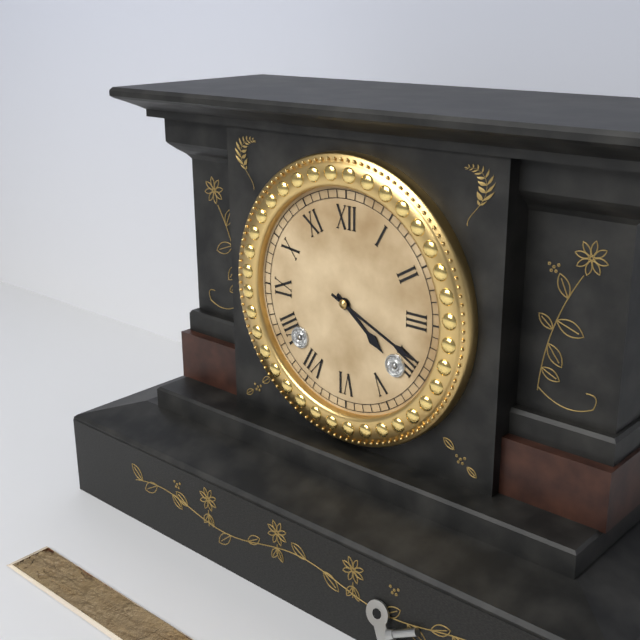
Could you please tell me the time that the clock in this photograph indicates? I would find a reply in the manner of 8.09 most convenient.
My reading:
4.19
